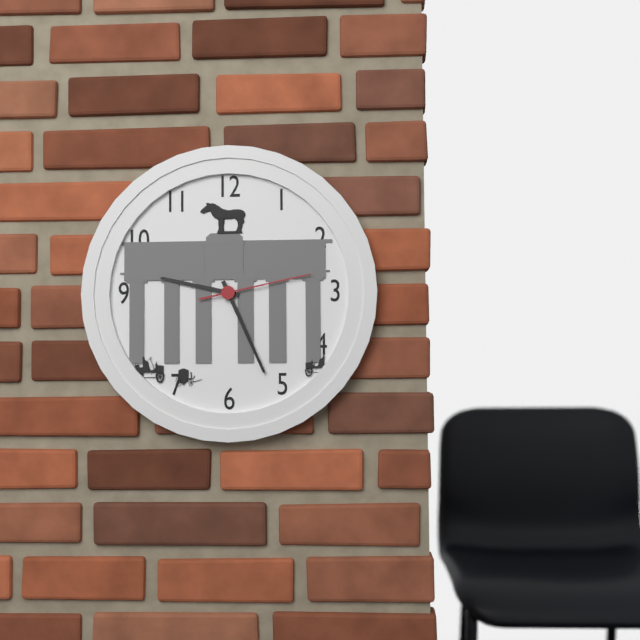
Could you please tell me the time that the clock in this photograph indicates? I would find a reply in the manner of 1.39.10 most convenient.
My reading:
9.26.13
